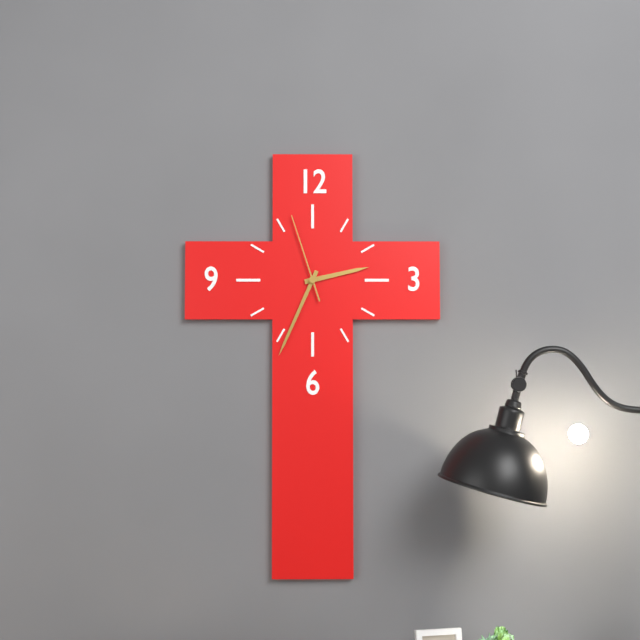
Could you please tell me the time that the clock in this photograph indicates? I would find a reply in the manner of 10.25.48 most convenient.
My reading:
2.34.57
